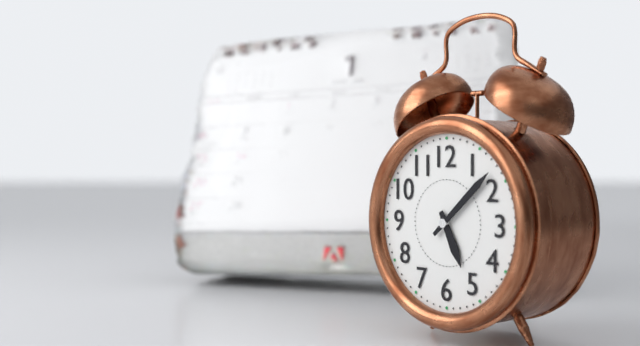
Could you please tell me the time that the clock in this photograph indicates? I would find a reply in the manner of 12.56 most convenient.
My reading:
5.08
